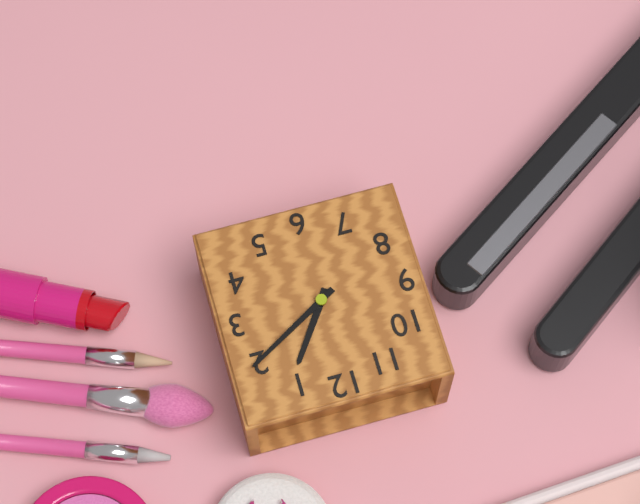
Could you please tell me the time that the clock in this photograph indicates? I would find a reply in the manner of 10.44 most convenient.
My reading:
1.10
